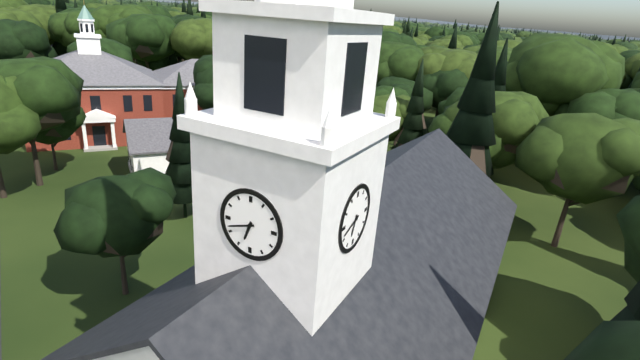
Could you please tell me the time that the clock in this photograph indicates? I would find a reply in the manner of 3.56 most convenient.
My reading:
6.42
